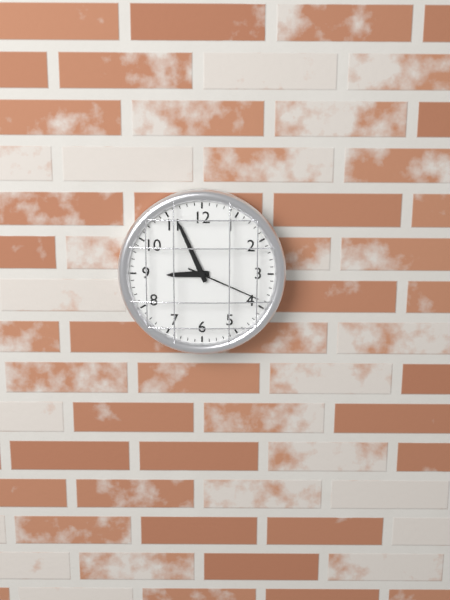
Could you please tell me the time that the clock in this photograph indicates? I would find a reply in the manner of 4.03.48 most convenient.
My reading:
8.56.19
